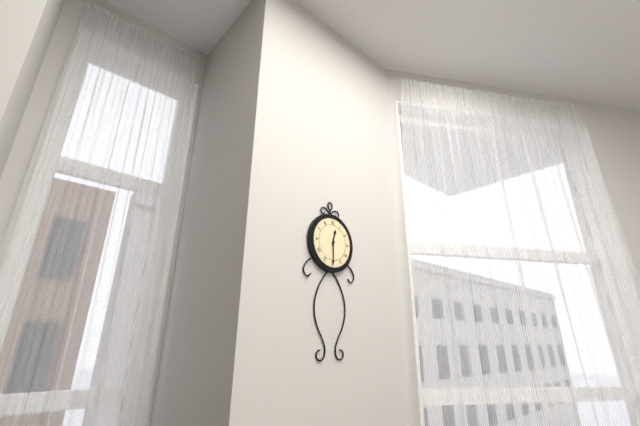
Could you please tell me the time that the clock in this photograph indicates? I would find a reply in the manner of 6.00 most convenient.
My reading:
12.30
